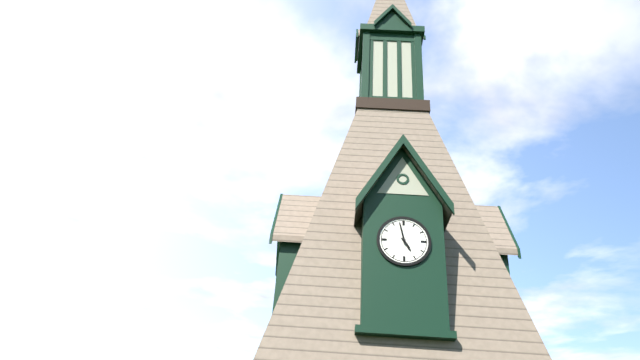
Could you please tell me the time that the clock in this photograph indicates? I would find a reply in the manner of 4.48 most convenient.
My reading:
4.58
